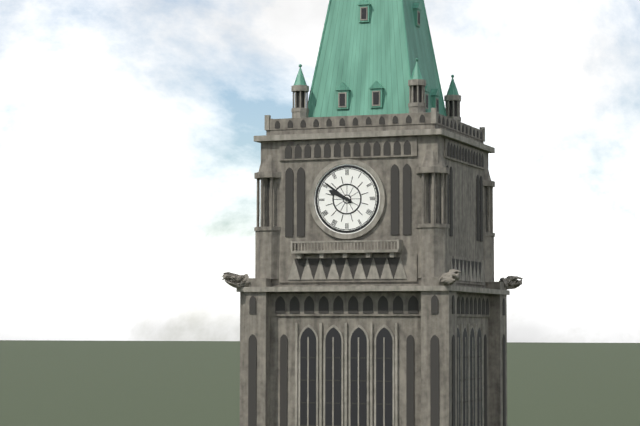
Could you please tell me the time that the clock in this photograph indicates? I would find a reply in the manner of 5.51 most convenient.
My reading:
9.51
